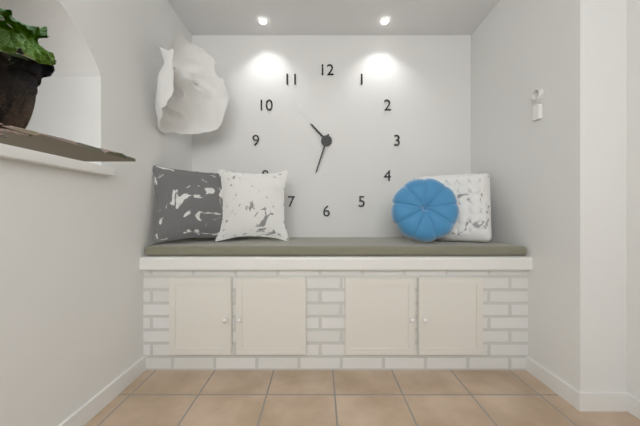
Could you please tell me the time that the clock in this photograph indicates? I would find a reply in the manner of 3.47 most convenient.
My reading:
10.33
